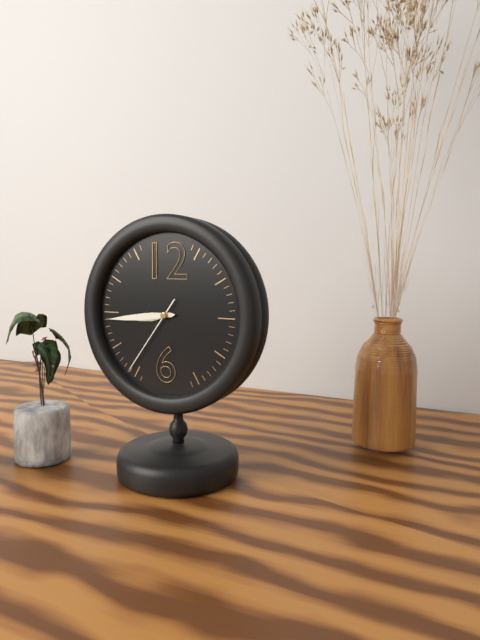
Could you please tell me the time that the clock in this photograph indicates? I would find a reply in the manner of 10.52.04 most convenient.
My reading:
8.44.36
